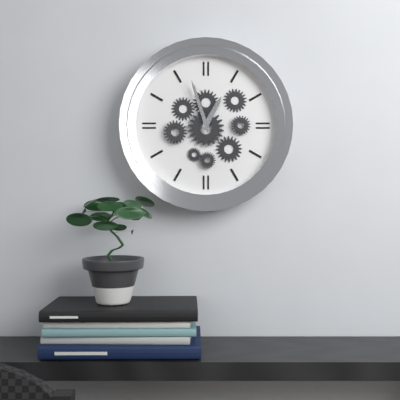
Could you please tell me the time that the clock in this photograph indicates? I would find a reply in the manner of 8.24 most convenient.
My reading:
12.57
